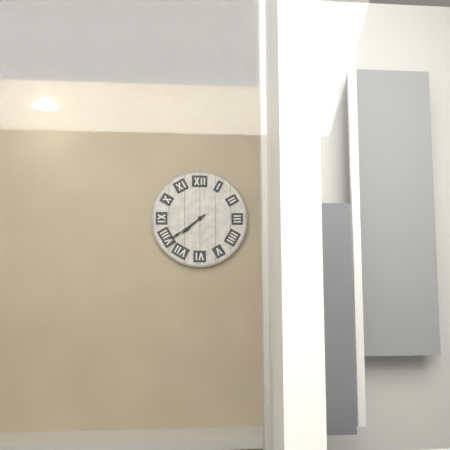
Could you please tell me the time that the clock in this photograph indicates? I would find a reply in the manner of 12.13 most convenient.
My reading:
7.39
